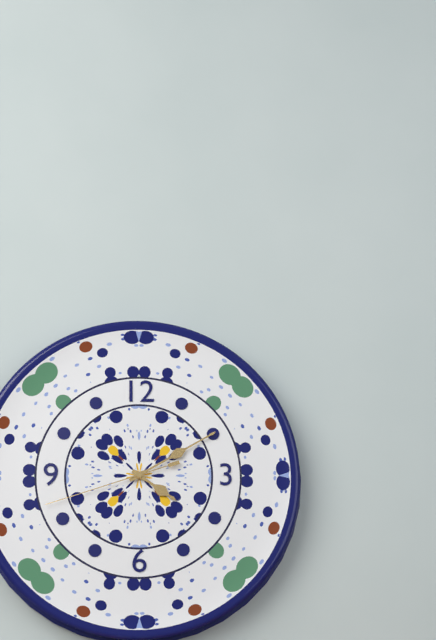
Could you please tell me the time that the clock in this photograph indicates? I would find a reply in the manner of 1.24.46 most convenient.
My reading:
4.10.42
